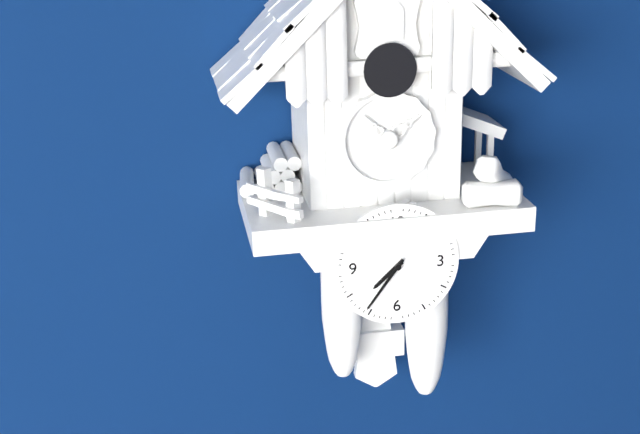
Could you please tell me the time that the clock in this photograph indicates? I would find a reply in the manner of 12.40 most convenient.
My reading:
7.36
